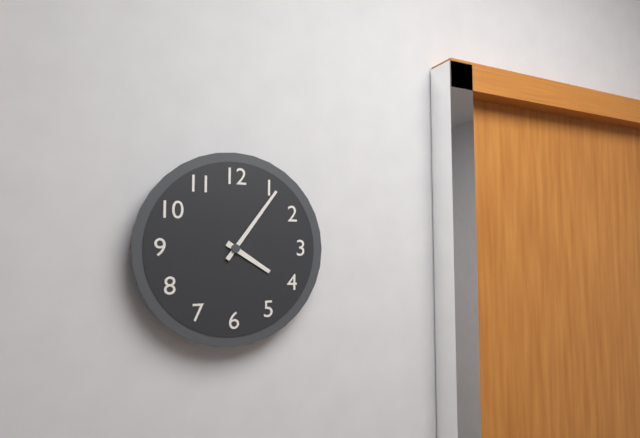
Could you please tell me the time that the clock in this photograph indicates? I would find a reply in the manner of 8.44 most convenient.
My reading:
4.06
